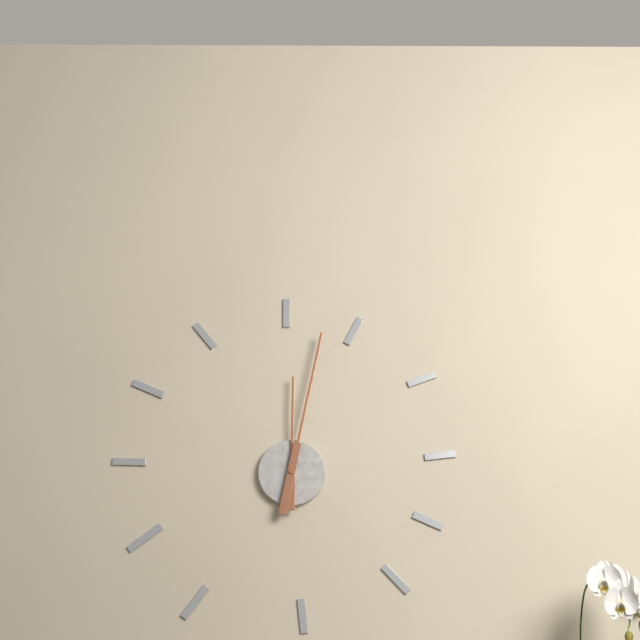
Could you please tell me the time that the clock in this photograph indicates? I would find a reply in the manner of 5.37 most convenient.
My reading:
12.02
